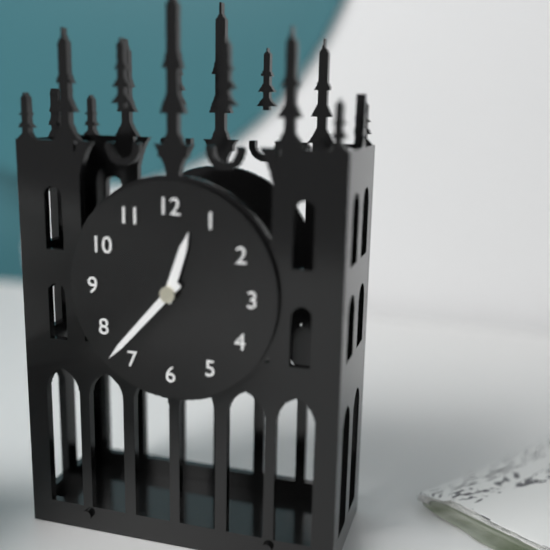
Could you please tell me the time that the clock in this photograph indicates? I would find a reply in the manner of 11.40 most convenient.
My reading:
12.37
